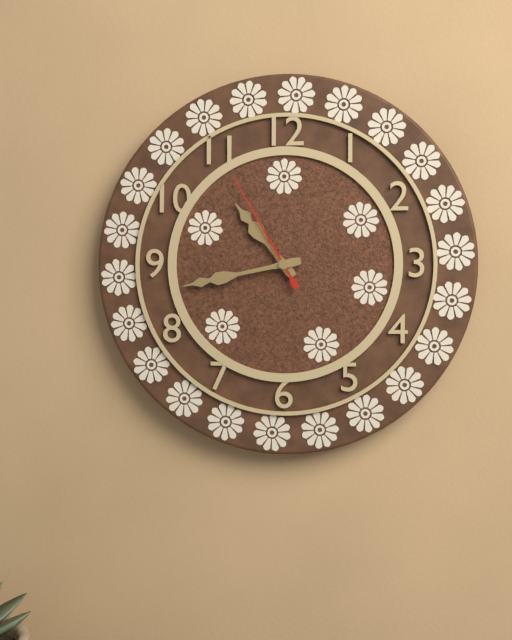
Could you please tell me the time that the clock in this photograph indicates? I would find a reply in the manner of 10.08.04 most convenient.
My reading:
10.43.55
